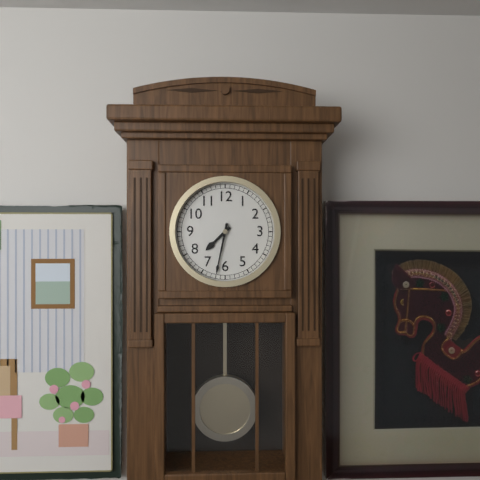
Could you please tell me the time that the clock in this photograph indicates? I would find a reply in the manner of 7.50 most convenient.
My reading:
7.32
